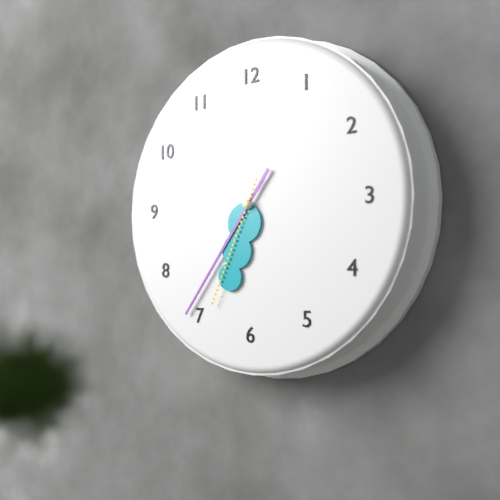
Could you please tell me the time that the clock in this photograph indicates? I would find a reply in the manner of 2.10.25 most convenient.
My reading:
6.36.34
